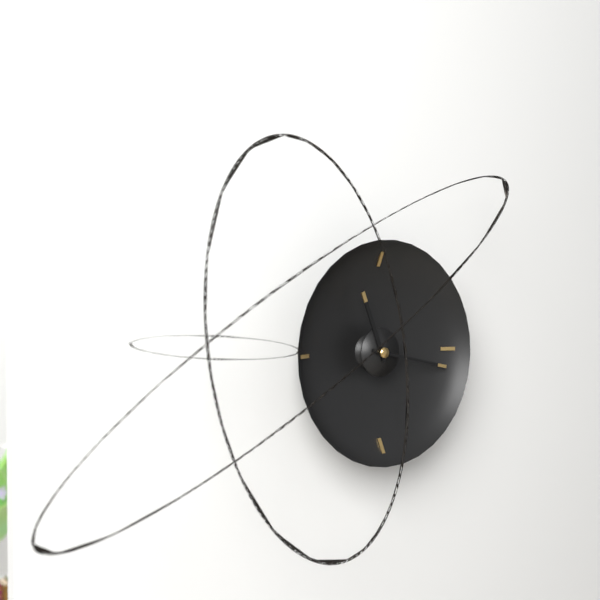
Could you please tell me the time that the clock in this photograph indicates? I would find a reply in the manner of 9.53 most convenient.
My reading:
11.17
